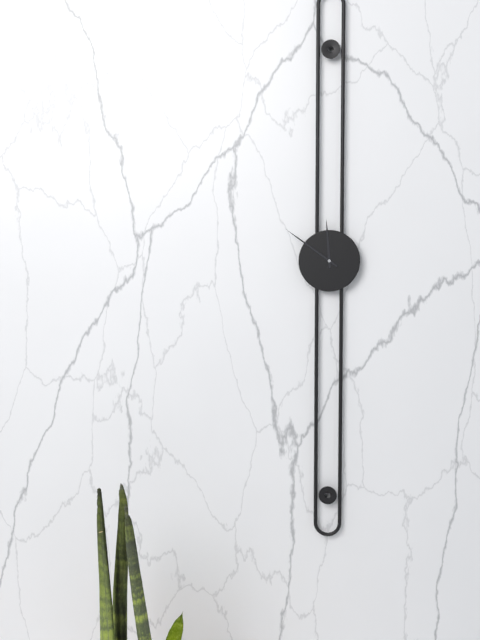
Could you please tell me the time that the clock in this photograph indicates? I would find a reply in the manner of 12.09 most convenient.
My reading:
11.51
